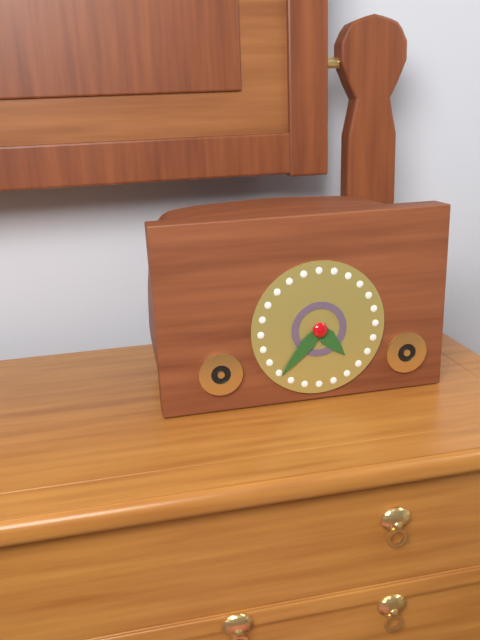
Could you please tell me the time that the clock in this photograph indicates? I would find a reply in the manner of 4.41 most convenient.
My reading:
4.37
